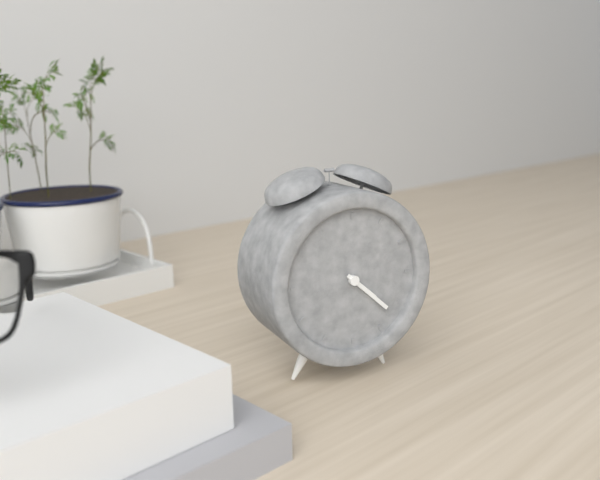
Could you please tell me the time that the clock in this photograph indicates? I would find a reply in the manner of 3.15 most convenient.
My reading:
4.22
